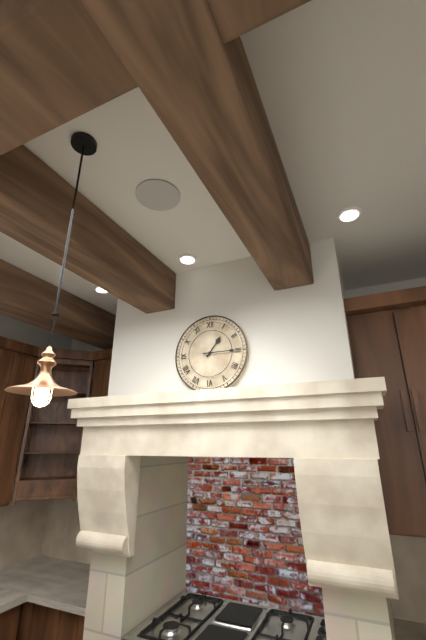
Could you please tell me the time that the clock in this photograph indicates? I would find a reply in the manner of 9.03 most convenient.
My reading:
1.15
